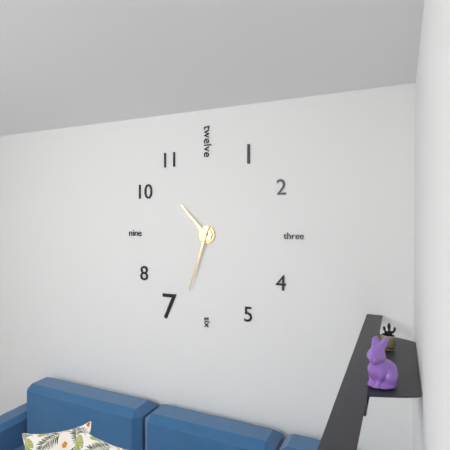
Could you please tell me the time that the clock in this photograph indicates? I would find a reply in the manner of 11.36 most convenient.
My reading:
10.33
